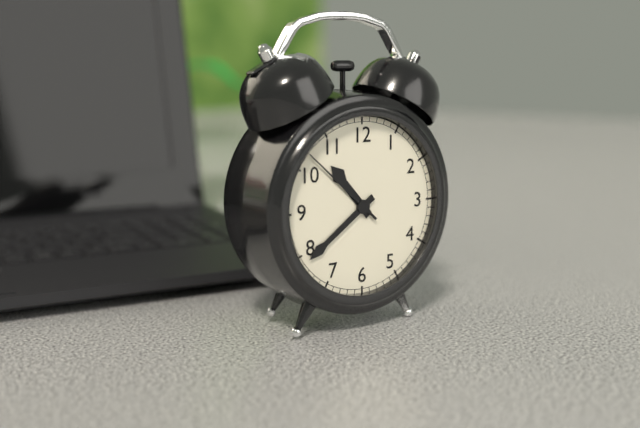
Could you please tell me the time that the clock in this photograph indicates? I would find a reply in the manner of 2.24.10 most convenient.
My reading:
10.39.52
